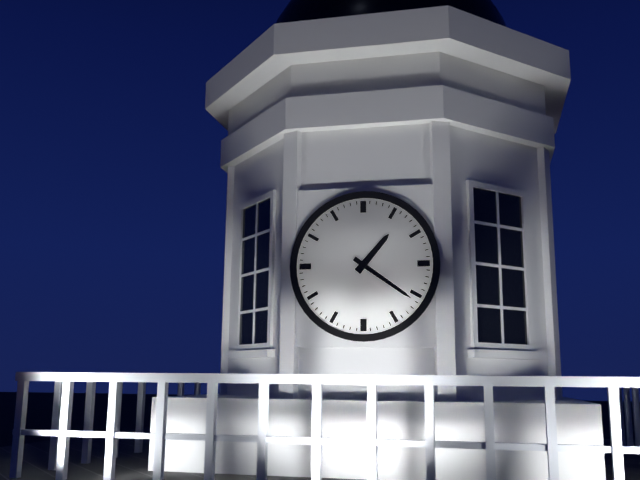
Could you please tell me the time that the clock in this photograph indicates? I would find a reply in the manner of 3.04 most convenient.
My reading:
1.21
